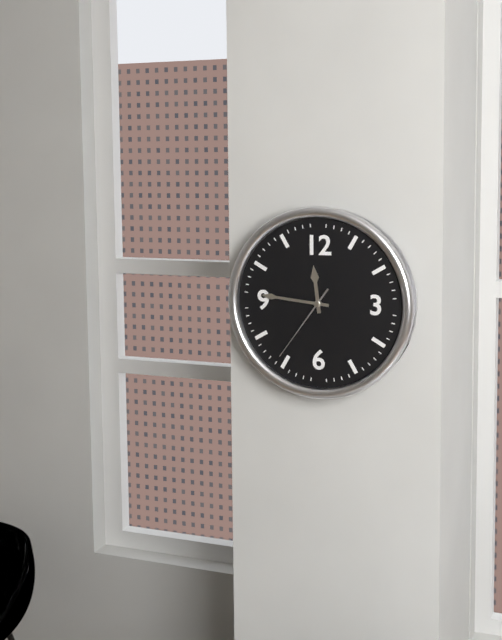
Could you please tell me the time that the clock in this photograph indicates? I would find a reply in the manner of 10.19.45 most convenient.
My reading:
11.46.36
